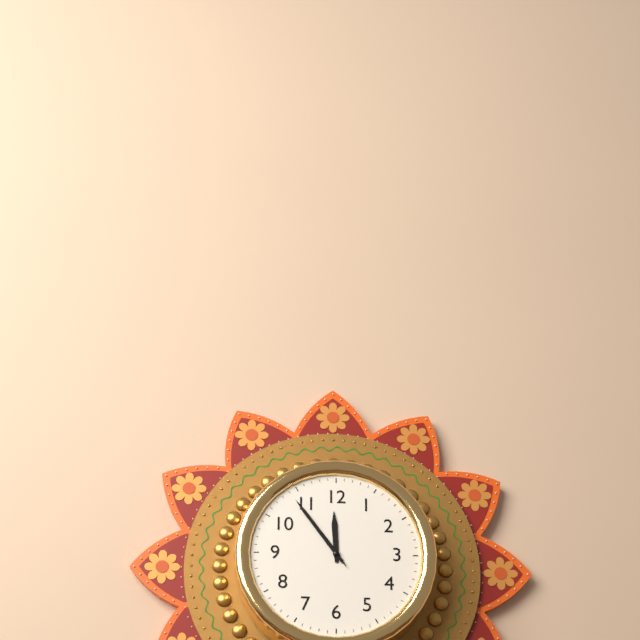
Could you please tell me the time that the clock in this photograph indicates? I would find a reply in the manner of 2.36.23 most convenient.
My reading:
11.54.54
